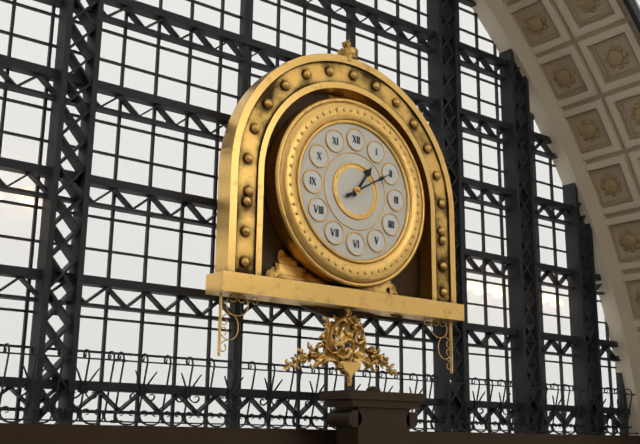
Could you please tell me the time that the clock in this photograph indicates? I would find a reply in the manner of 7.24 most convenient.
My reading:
1.10
